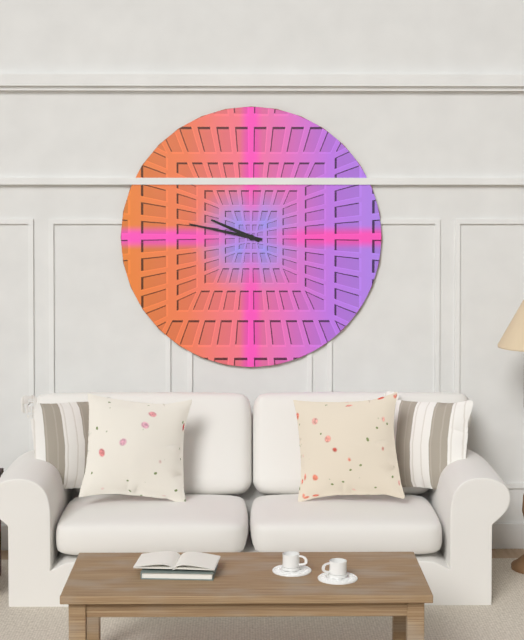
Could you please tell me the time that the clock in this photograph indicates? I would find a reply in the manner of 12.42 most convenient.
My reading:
9.47
